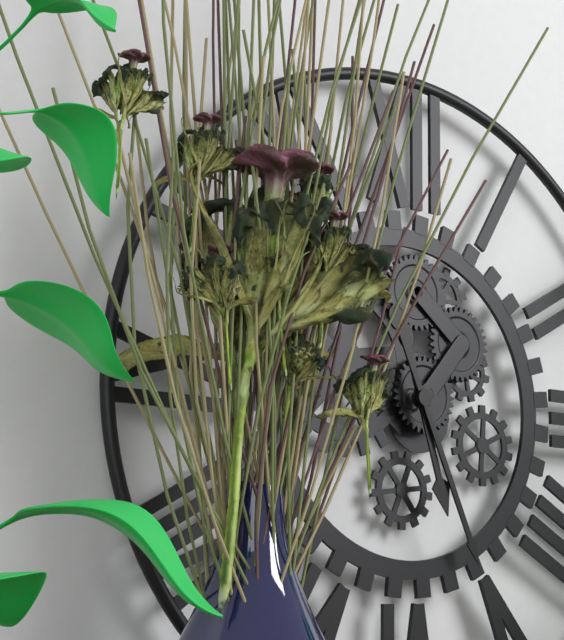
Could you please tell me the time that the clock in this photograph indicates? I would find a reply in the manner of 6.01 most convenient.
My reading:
5.26
